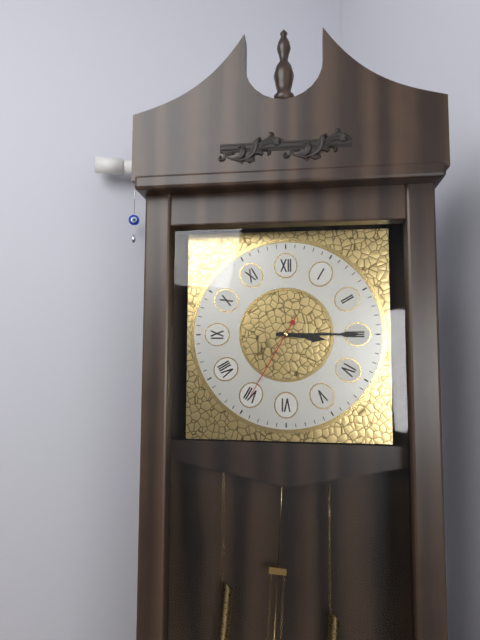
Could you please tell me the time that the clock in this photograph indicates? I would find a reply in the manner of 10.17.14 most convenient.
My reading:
3.15.35
